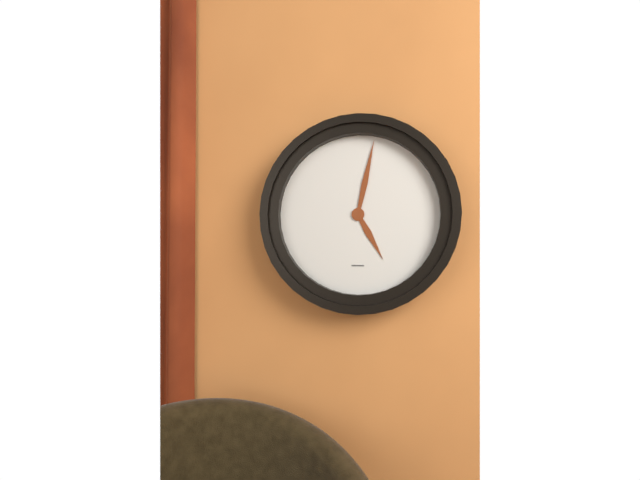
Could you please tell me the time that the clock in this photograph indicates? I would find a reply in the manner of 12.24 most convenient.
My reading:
5.02
